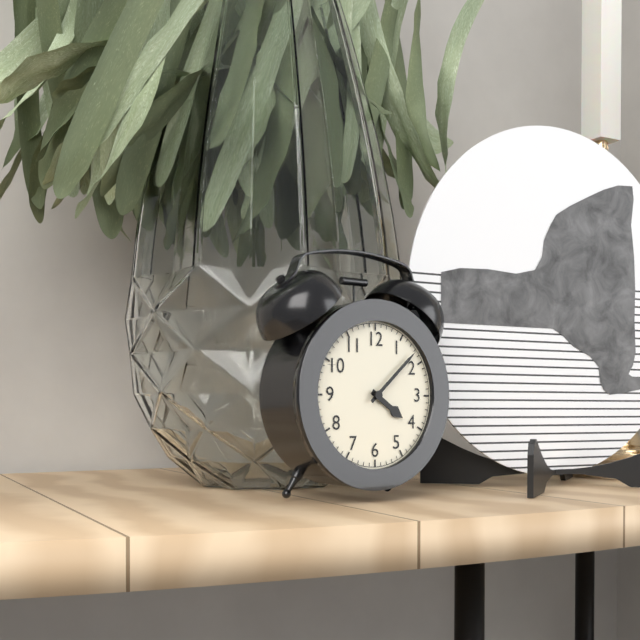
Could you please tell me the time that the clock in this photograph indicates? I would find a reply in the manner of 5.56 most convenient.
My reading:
4.08
